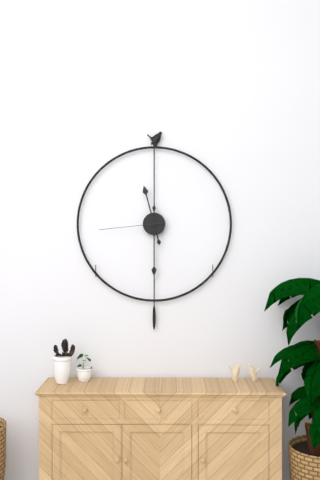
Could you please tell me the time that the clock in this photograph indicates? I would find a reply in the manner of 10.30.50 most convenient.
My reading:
11.30.44
